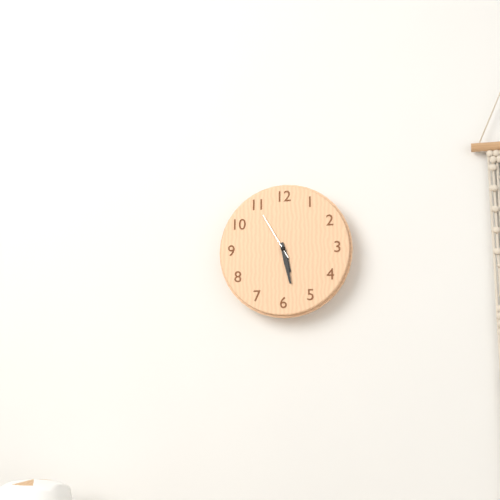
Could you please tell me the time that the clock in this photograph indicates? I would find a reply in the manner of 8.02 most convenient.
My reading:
5.28
